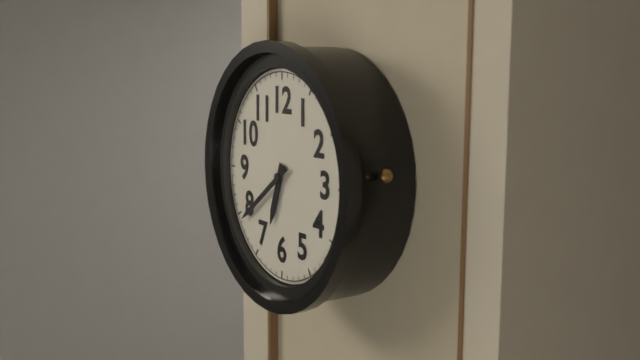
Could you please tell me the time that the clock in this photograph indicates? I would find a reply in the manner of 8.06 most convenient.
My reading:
6.39
